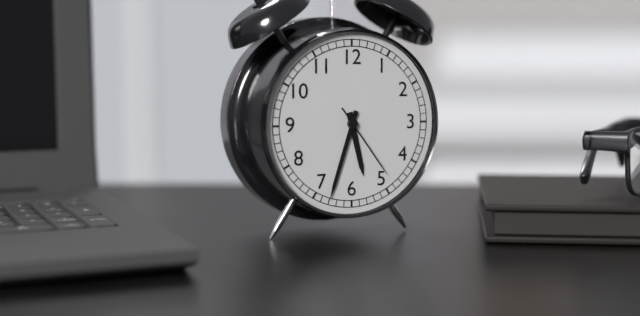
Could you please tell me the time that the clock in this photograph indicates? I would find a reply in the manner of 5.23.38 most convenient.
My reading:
5.33.24
